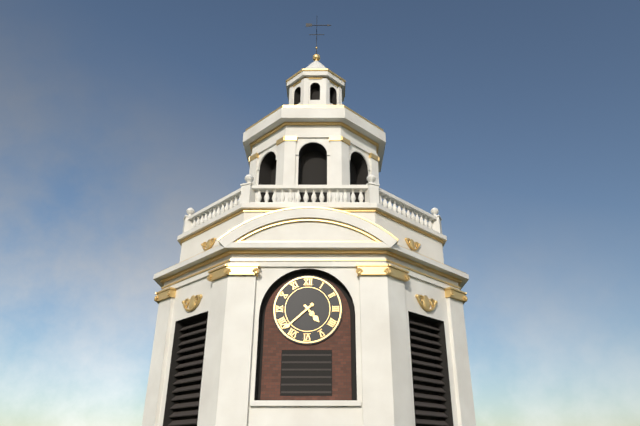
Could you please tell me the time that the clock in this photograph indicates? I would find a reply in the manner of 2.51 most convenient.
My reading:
4.38
